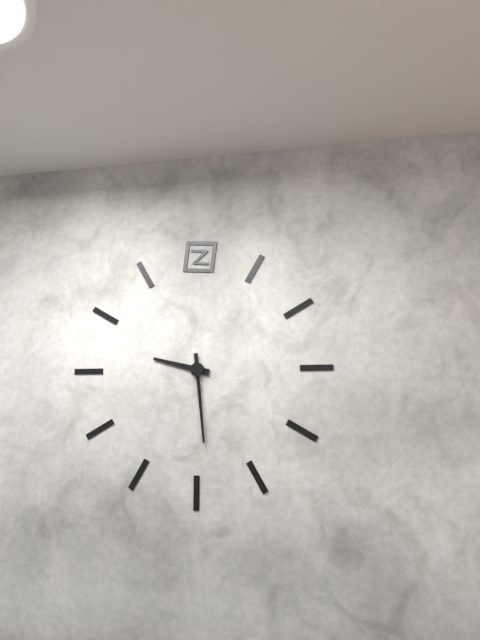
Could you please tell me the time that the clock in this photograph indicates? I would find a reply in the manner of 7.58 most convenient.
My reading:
9.29
